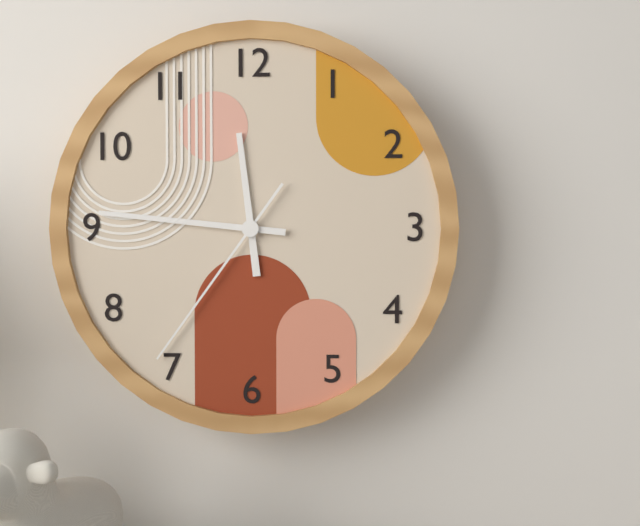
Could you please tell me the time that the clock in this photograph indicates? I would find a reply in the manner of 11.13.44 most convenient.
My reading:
11.46.36
